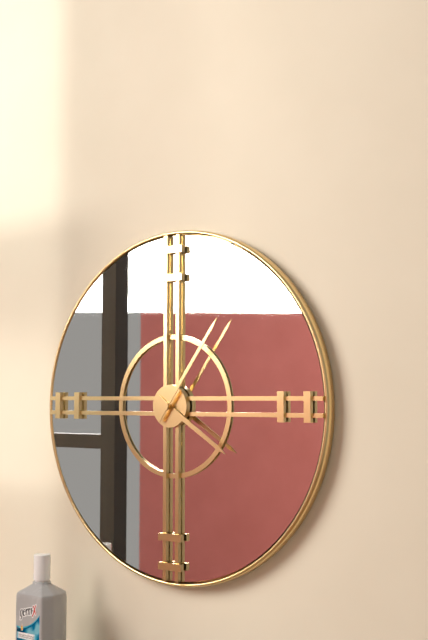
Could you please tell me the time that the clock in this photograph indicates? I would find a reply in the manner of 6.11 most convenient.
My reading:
4.06
